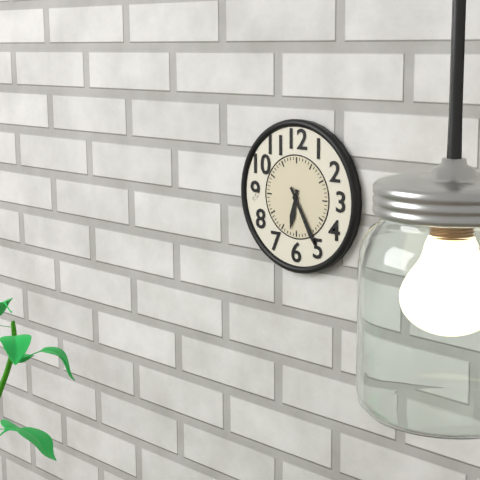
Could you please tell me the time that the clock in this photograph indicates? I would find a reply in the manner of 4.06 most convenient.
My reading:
6.25
